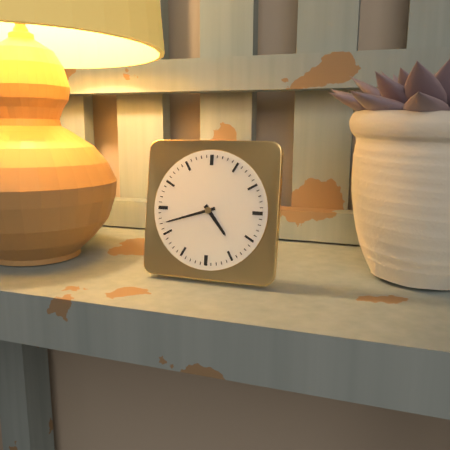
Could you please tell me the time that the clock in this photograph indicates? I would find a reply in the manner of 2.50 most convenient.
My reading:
4.42
